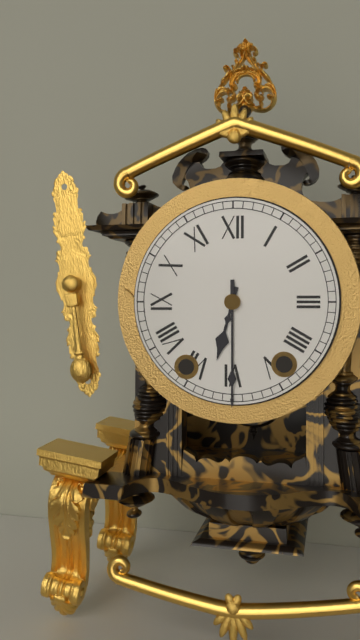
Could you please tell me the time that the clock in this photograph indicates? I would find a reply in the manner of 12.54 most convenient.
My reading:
6.30
